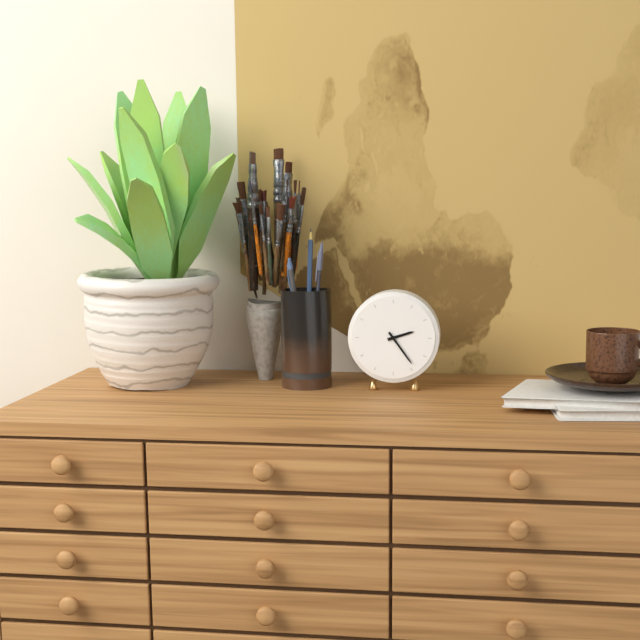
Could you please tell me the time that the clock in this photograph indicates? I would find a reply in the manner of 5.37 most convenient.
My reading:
2.24
